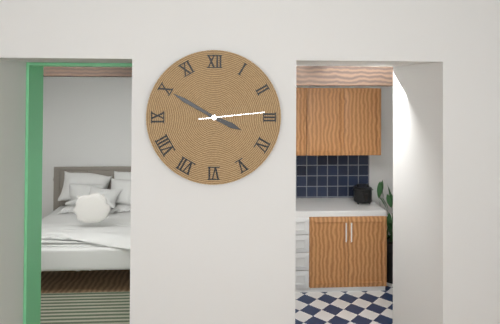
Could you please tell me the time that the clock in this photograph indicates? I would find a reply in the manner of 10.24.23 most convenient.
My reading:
3.50.14
